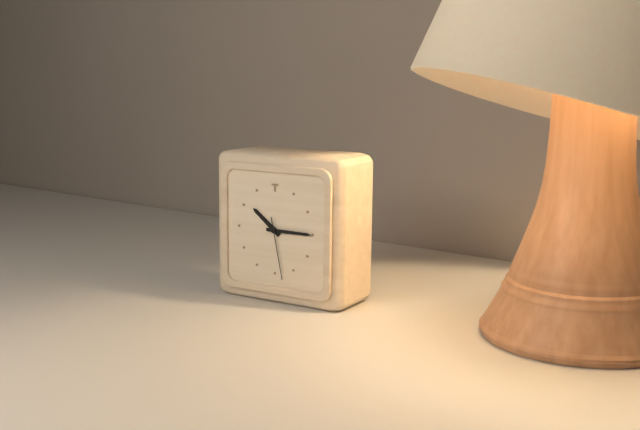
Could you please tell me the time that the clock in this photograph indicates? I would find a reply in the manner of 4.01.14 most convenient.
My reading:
10.15.28
